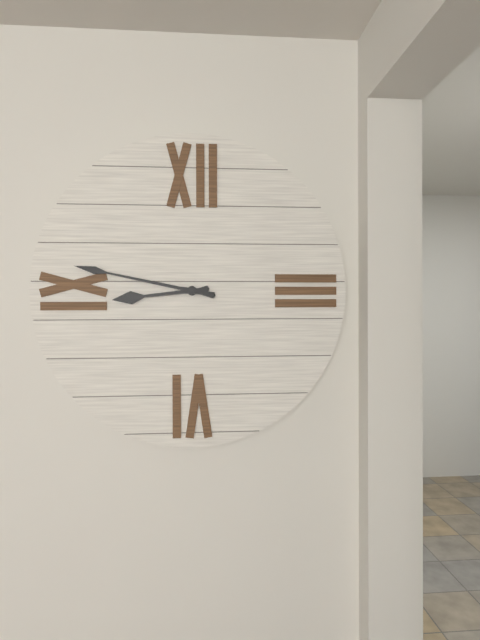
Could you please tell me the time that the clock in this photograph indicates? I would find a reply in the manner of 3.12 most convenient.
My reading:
8.47
